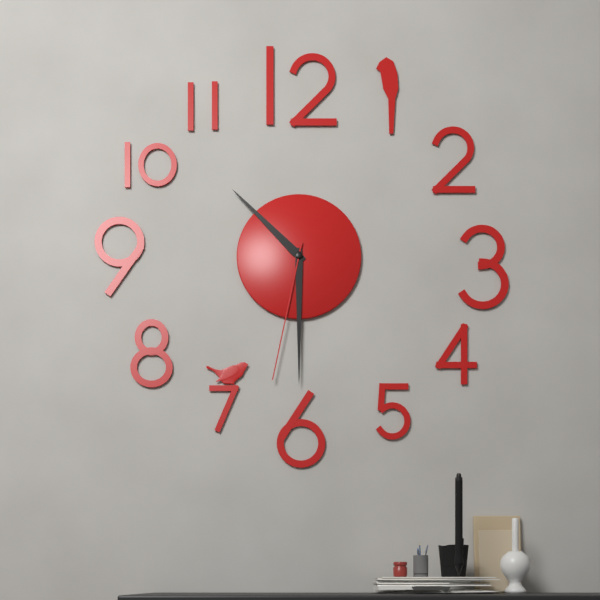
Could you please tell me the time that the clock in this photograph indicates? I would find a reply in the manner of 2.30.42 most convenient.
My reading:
10.30.32
